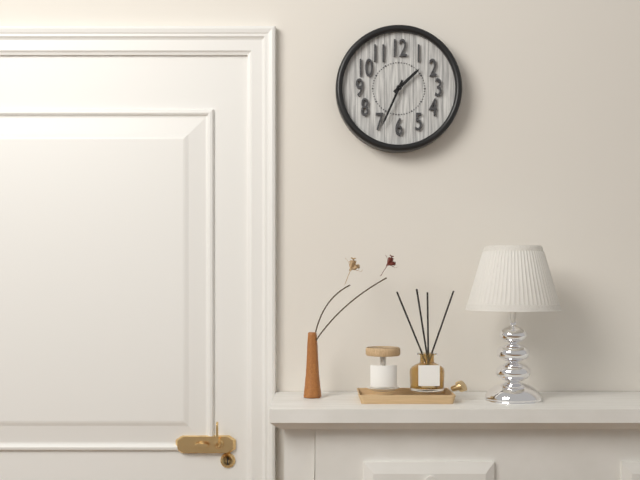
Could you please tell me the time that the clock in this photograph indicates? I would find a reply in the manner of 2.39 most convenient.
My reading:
1.34
